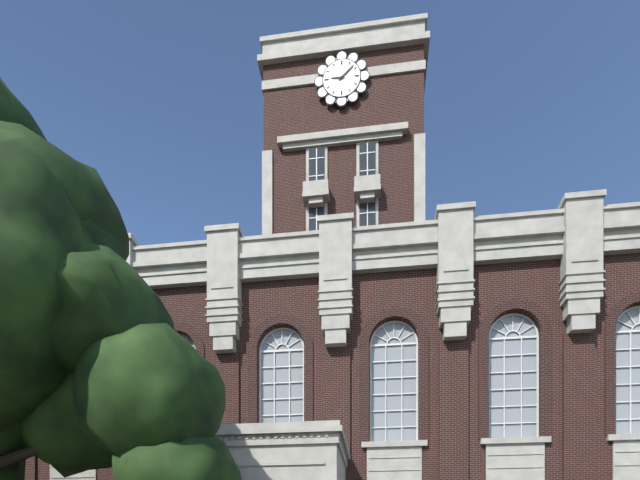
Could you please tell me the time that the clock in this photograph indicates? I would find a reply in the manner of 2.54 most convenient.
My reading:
9.08
